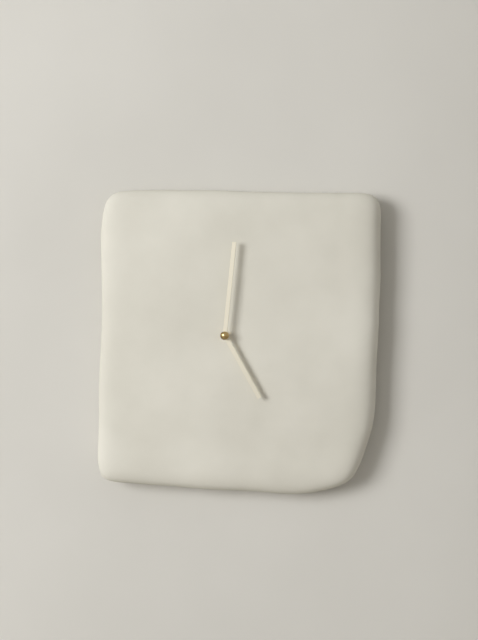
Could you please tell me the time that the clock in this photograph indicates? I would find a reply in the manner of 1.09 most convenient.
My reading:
5.01
